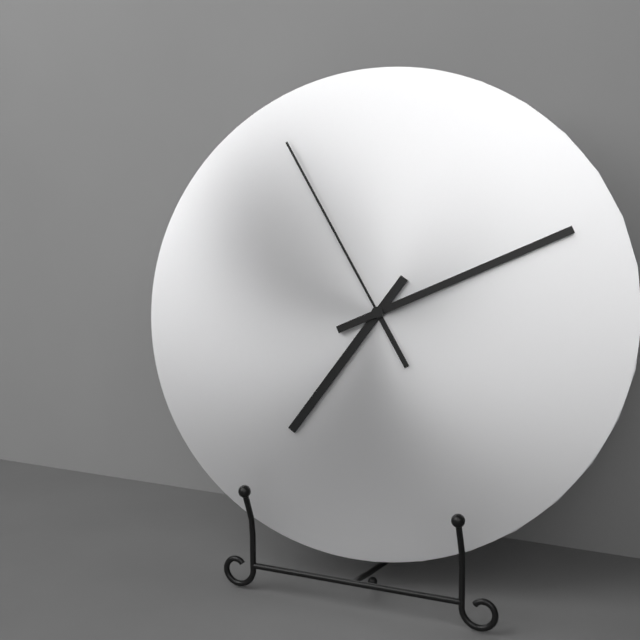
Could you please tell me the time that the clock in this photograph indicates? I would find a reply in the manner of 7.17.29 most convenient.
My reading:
7.11.55
